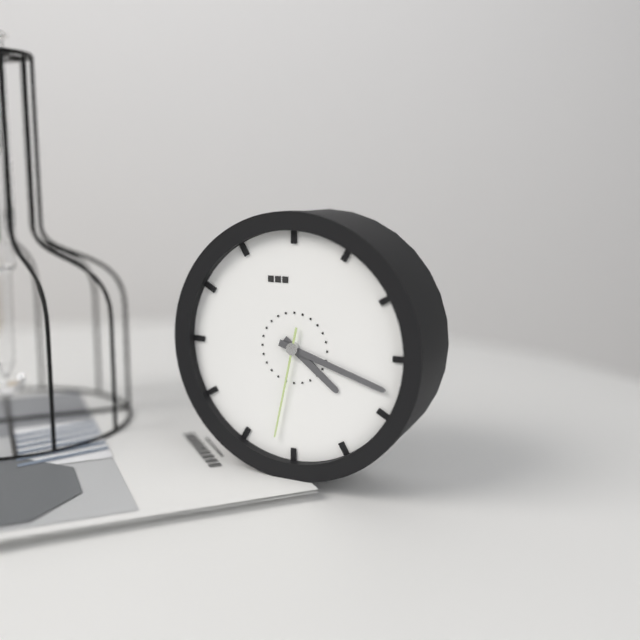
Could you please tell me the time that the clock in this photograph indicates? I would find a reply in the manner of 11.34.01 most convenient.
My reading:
4.18.32
